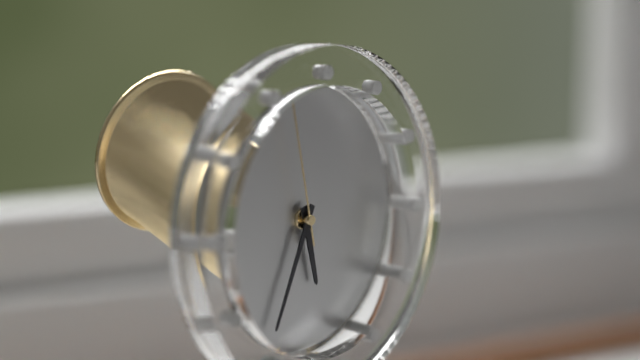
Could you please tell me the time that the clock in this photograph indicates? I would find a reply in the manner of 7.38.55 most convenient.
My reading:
5.34.58
